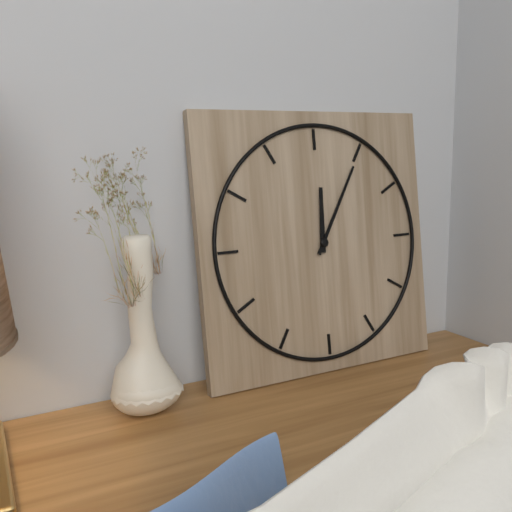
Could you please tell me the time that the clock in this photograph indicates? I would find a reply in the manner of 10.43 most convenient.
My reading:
12.05
